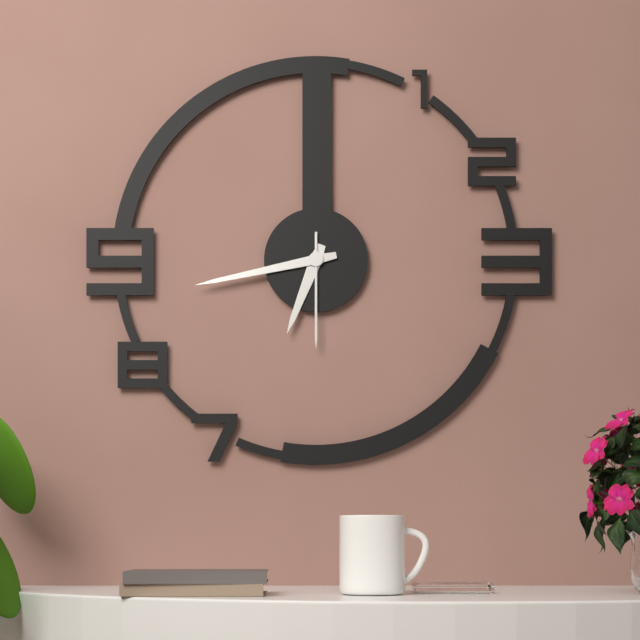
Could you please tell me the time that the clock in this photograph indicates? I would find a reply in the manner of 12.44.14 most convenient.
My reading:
6.43.30
